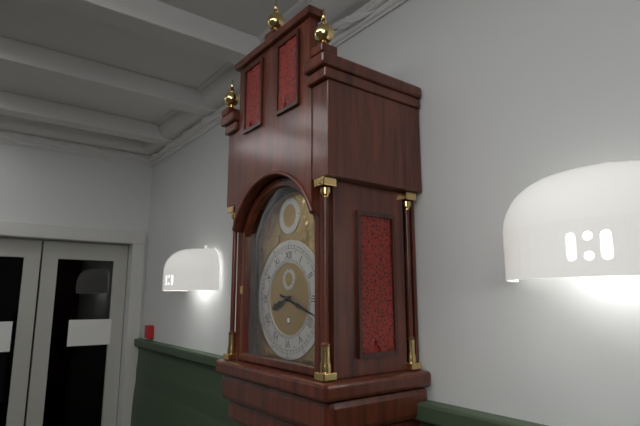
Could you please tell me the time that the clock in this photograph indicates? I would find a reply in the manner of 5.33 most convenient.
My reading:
8.18
